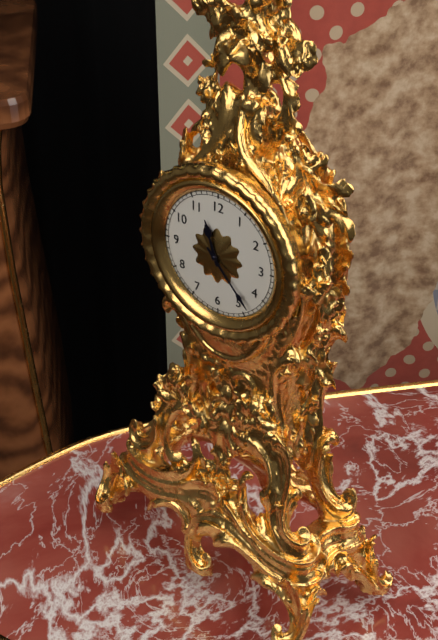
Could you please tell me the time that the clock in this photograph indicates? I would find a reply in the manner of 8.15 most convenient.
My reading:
11.23
